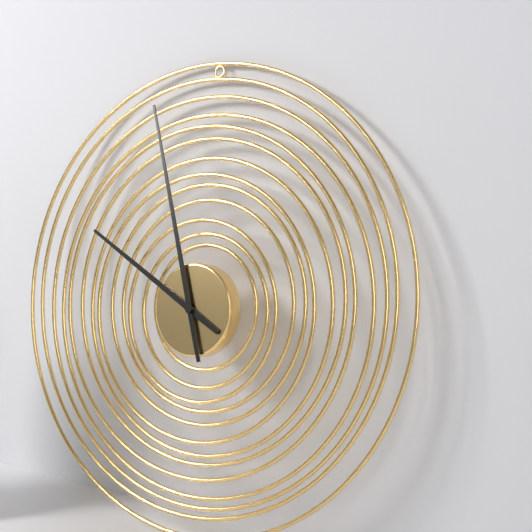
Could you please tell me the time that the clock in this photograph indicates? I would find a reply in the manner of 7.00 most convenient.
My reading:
9.57
